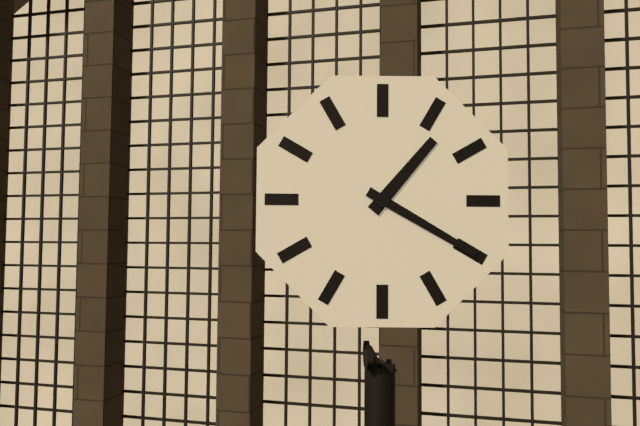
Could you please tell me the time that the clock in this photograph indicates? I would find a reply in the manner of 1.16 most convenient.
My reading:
1.20
